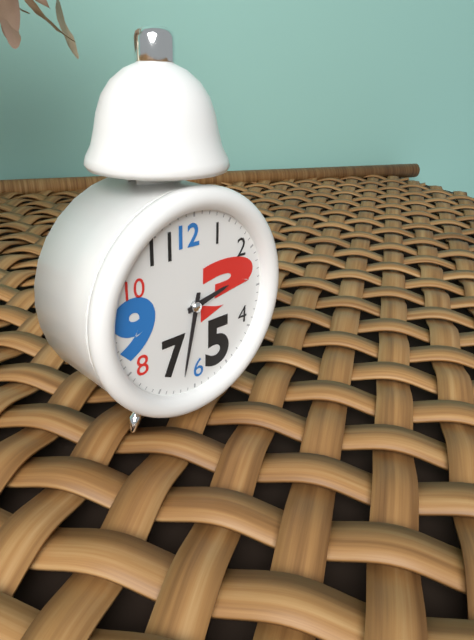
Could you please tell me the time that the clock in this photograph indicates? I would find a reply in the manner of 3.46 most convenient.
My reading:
2.32
